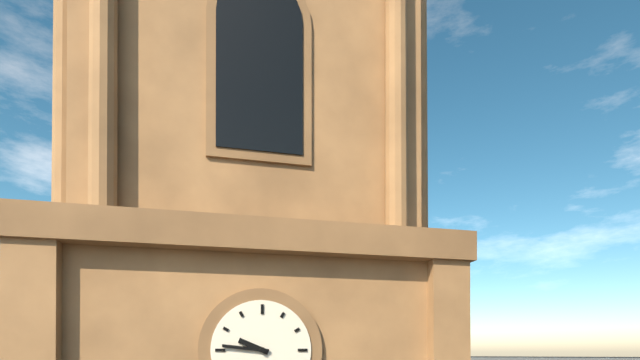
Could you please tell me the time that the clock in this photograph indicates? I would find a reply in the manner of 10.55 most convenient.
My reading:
9.46
